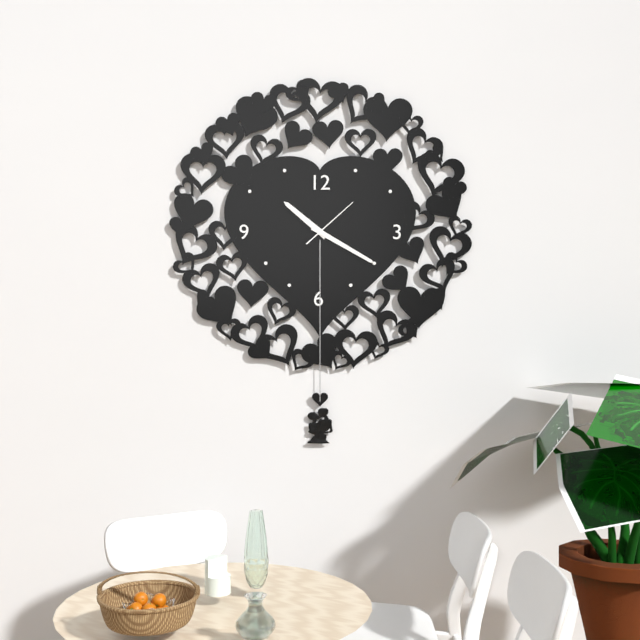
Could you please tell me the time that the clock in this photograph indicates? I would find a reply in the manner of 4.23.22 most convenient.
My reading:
10.20.08
